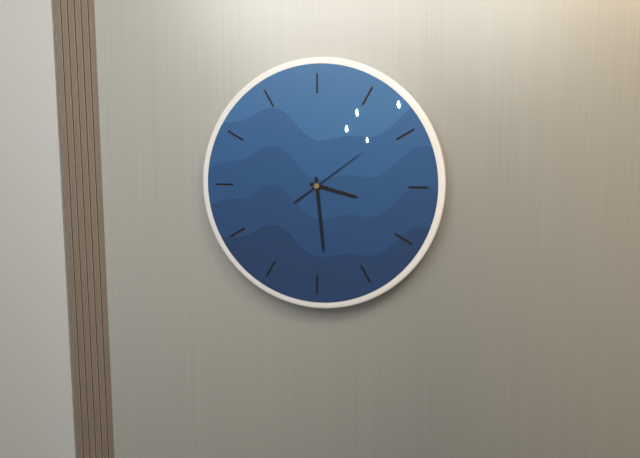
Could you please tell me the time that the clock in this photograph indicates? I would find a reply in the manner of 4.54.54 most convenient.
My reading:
3.29.09
